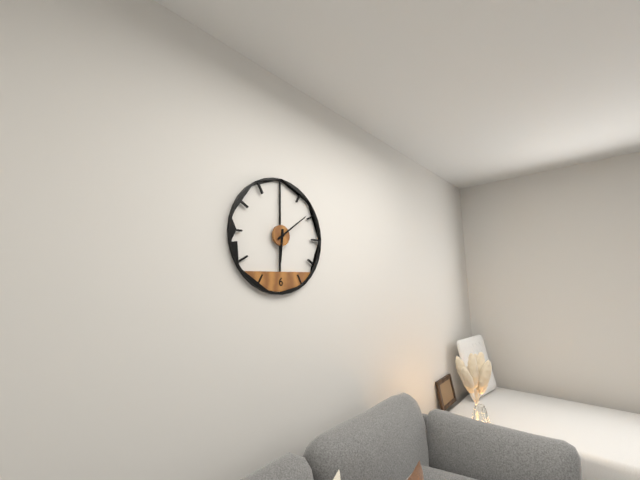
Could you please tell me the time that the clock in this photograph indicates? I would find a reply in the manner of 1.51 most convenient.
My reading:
6.09
